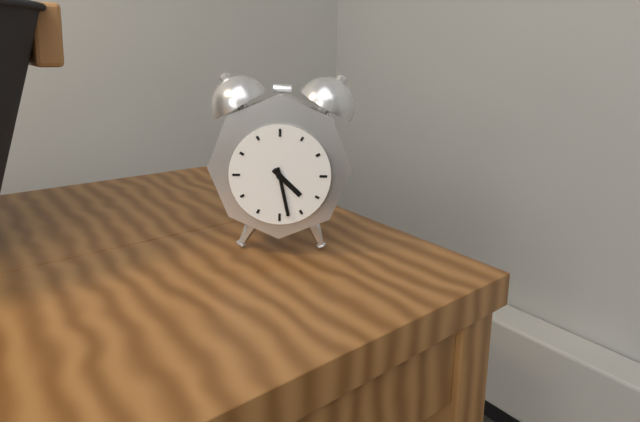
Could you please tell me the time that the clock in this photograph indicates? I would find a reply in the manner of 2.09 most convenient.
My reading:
4.28
